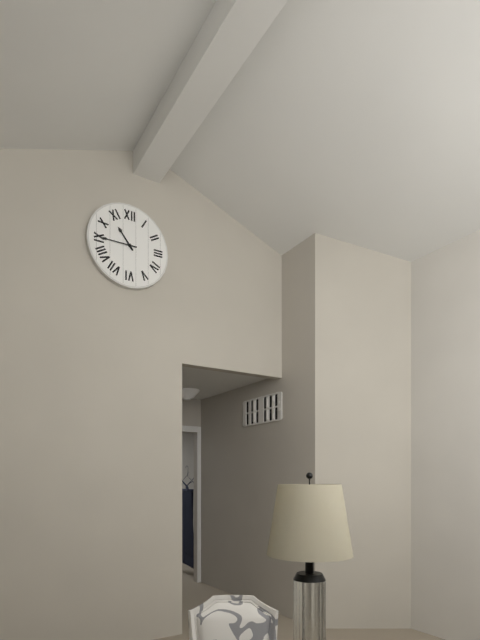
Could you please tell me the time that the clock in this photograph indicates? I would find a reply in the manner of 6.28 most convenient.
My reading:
10.45
